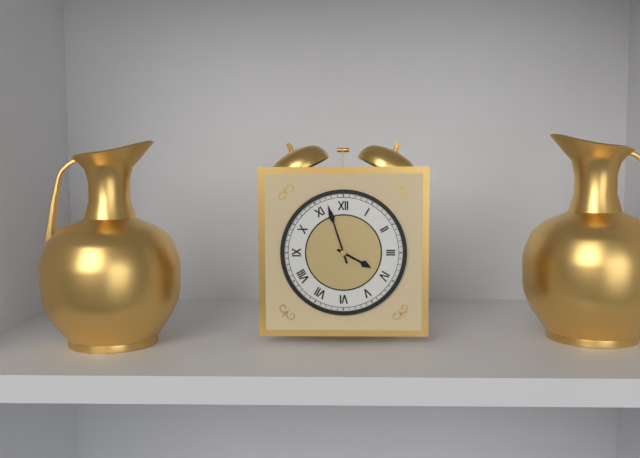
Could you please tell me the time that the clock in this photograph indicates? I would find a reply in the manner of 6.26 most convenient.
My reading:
3.57
